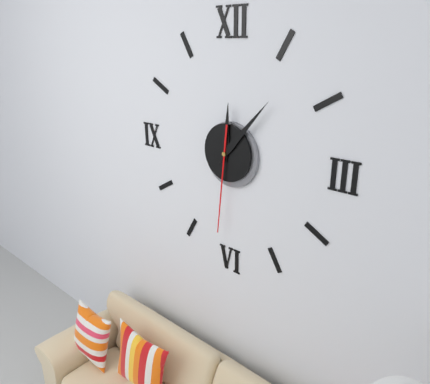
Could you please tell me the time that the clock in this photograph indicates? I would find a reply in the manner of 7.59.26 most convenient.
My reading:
12.07.31
